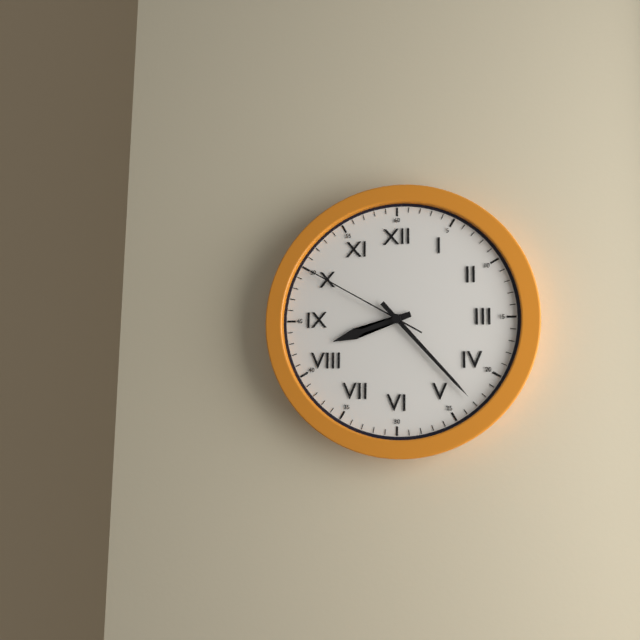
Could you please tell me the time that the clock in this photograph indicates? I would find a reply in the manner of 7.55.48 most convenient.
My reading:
8.23.50
